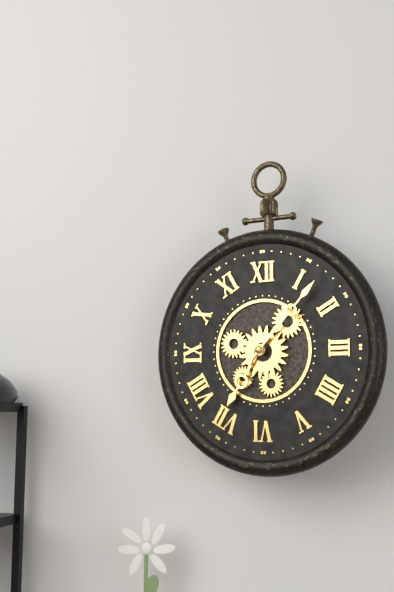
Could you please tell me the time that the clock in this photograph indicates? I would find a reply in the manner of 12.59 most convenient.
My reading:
7.07
